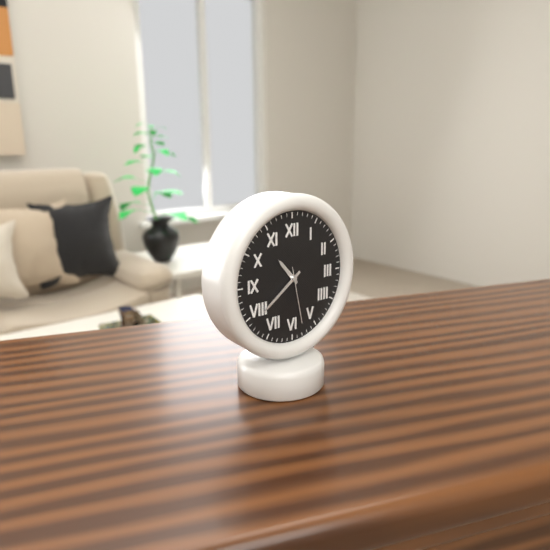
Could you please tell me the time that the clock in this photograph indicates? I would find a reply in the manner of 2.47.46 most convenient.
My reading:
10.39.28
